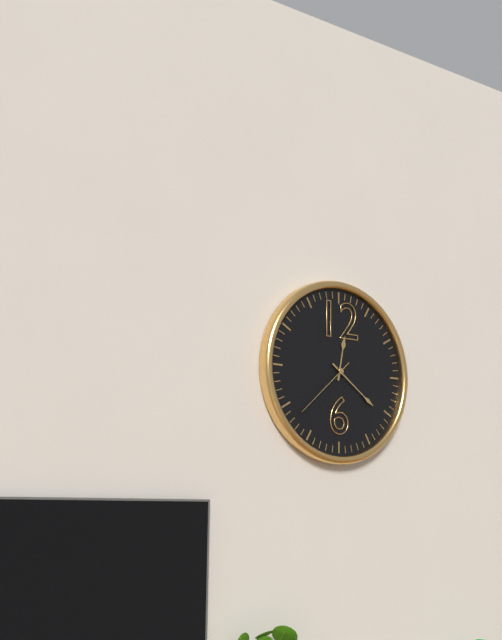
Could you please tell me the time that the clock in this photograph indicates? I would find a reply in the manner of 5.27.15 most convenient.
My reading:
12.21.38
